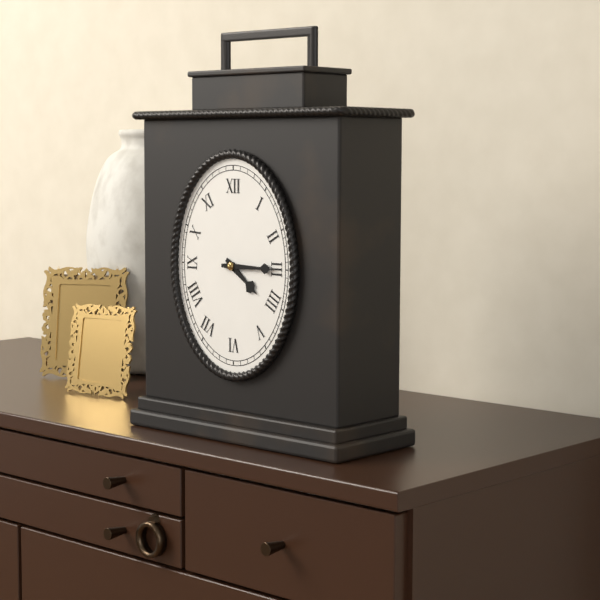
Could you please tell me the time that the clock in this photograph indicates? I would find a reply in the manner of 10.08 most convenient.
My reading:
4.15
